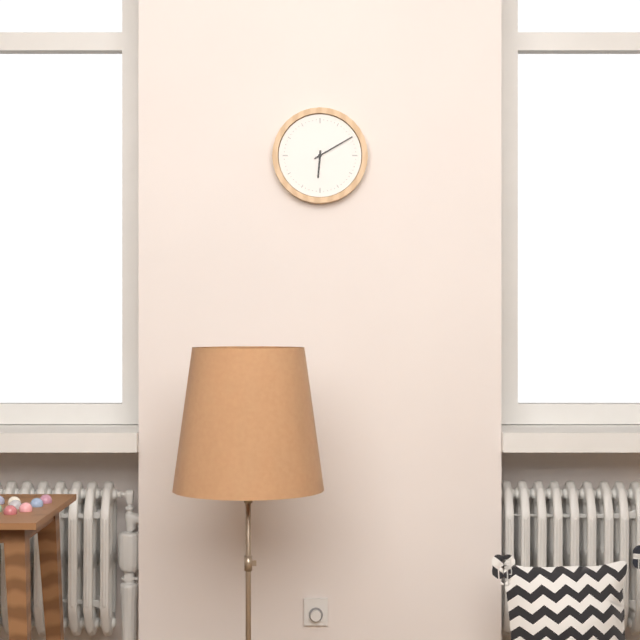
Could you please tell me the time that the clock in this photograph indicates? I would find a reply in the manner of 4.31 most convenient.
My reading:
6.10
